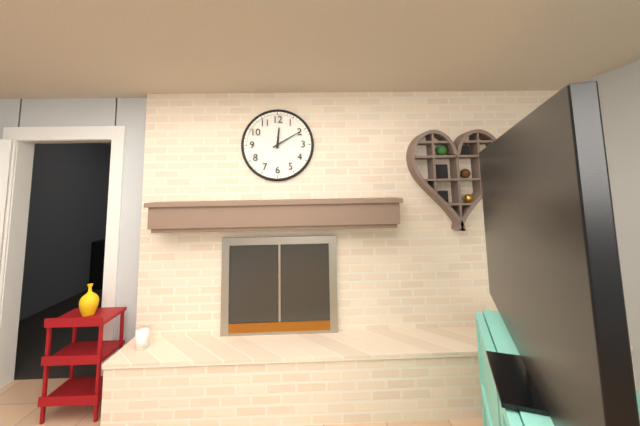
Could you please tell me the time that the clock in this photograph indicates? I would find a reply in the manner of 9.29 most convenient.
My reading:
12.10
